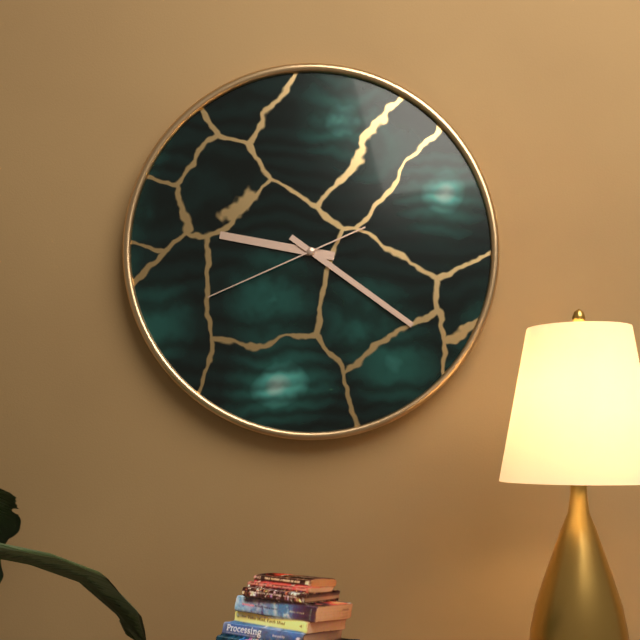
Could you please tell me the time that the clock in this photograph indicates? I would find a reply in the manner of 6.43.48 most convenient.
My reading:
9.21.41
